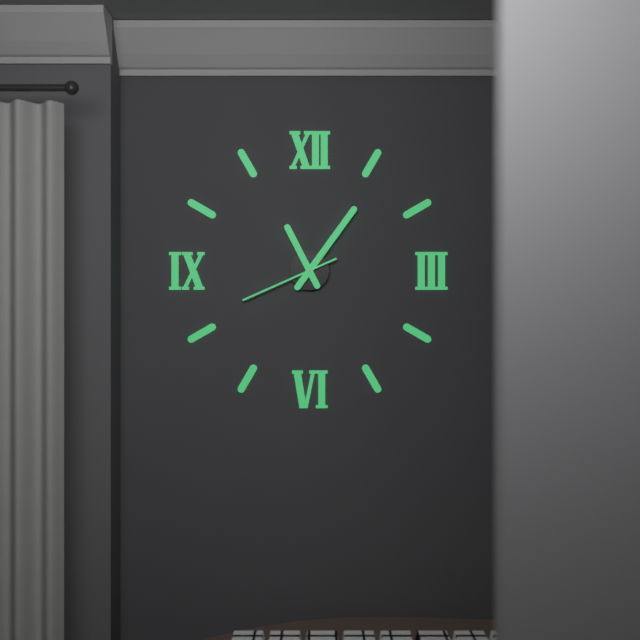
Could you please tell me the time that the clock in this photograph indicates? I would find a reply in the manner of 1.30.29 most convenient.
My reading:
11.06.41
